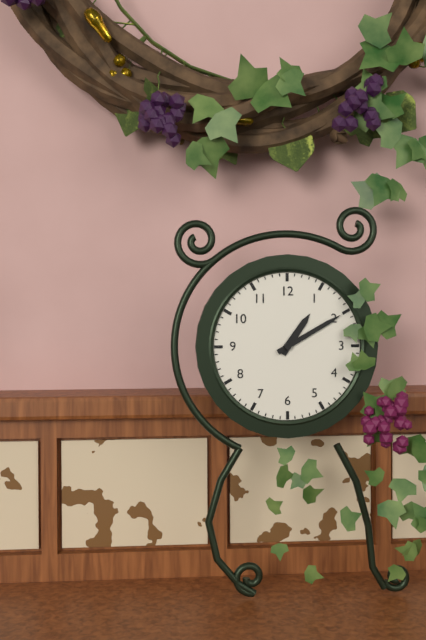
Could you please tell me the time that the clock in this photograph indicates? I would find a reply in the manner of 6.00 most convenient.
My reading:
1.10
